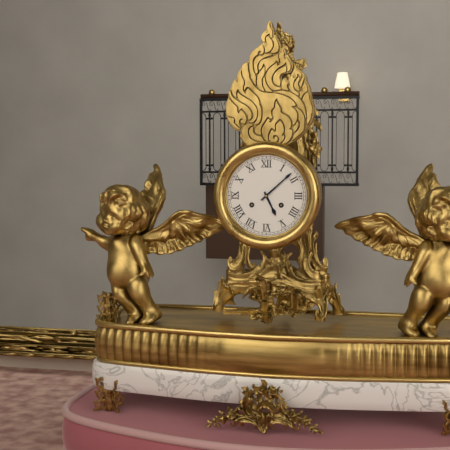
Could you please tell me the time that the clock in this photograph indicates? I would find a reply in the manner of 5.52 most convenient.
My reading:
5.08
